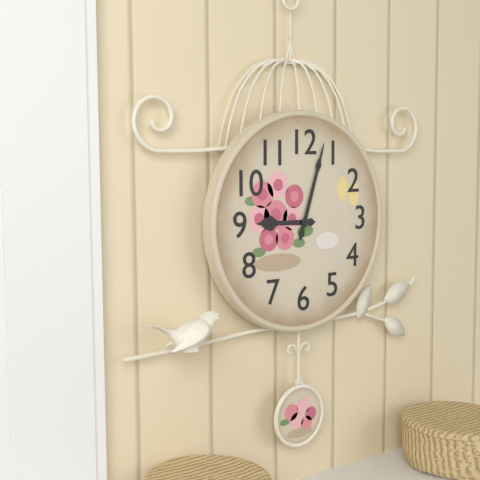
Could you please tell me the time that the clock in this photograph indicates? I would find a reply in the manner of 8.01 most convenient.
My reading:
9.03
